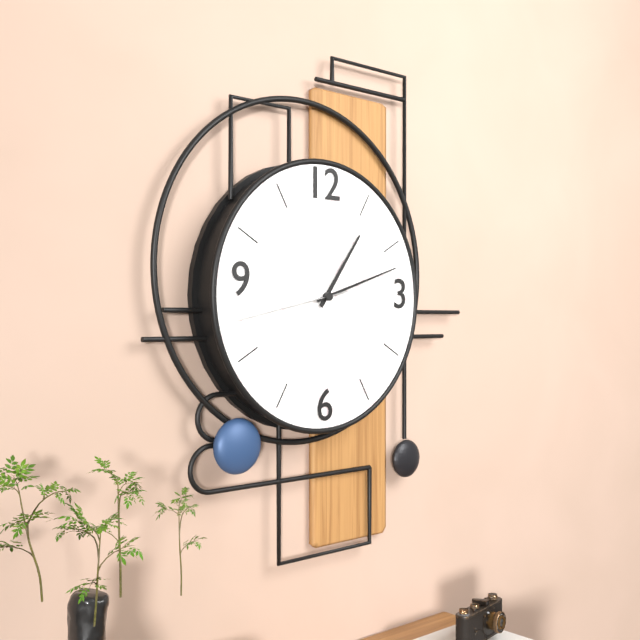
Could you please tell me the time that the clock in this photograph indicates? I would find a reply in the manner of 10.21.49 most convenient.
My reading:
1.12.43
